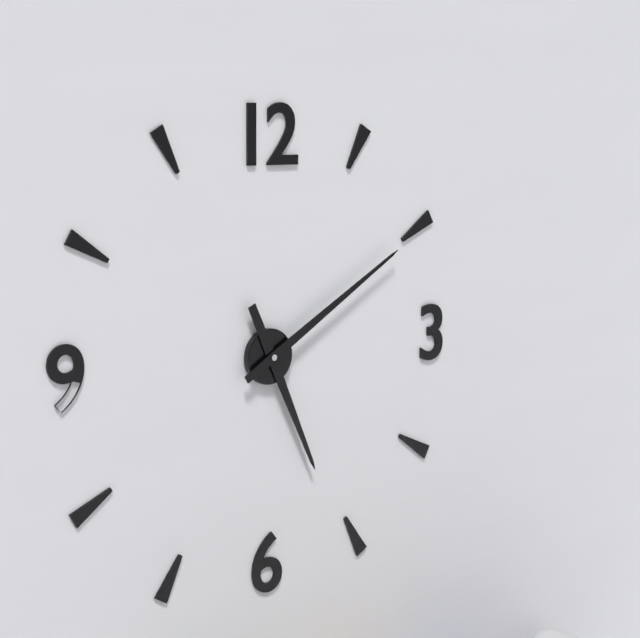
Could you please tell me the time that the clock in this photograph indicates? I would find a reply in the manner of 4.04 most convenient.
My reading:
5.10
